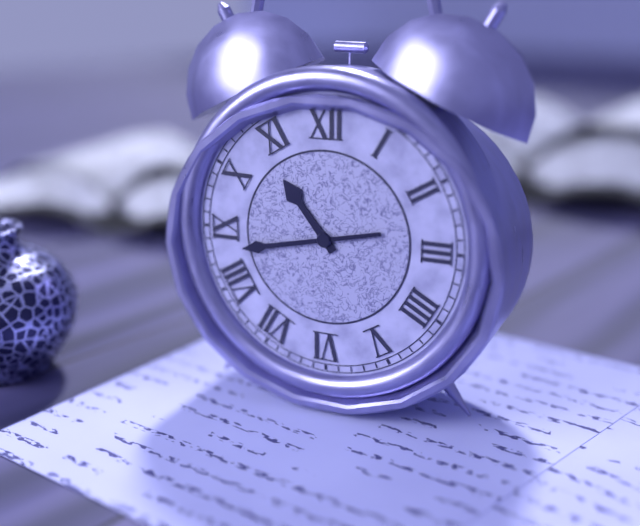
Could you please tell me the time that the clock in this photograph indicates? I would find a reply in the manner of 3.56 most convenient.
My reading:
10.43
